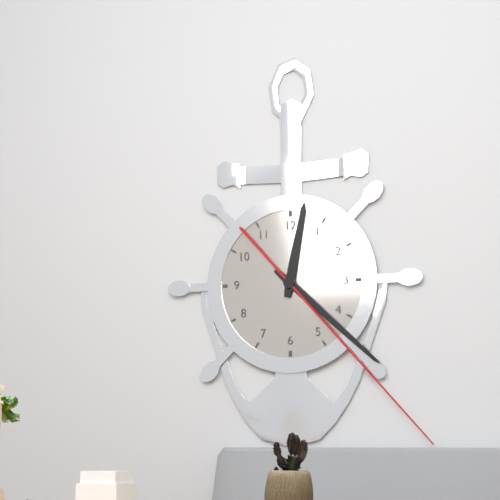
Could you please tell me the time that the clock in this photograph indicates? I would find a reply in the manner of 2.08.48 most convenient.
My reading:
12.22.23
